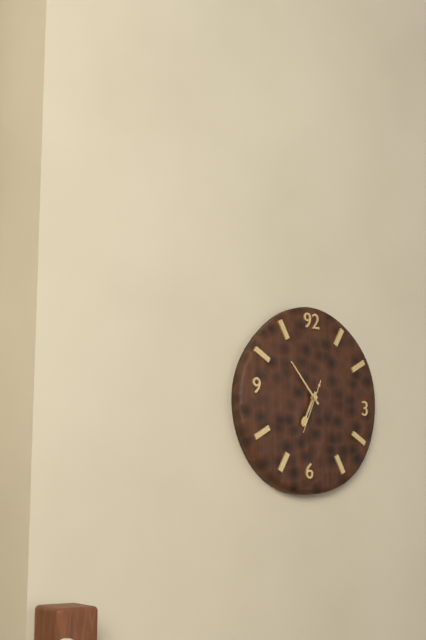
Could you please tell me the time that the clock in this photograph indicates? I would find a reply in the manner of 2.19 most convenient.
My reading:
6.53
